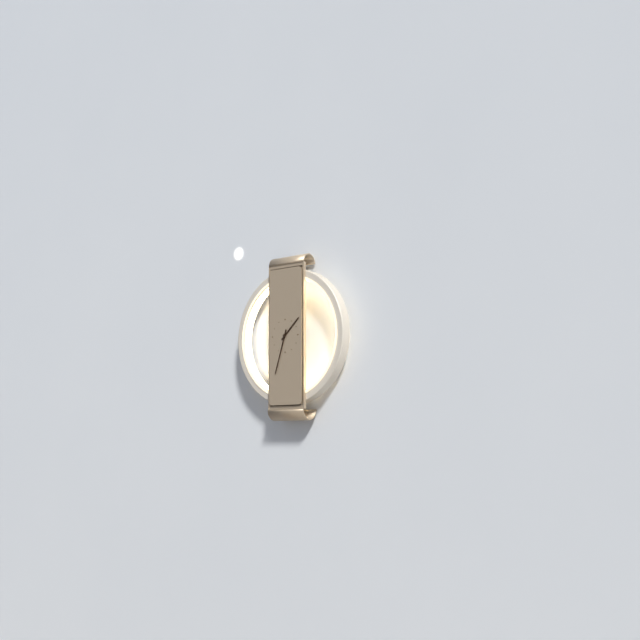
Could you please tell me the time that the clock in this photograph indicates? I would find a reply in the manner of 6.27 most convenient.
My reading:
1.33
